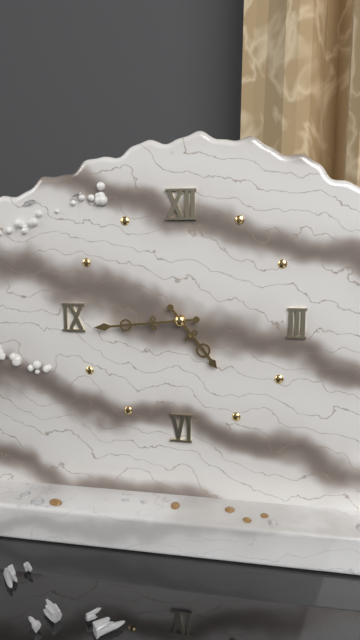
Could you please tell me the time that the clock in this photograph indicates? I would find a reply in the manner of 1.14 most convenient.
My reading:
4.44
